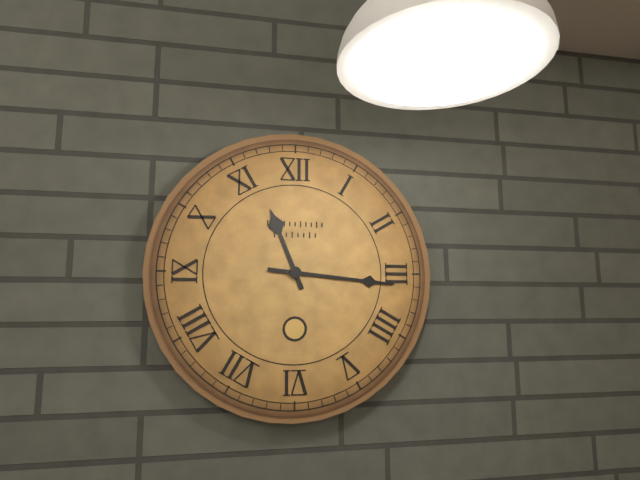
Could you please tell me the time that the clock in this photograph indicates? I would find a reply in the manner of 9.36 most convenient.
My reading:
11.16
